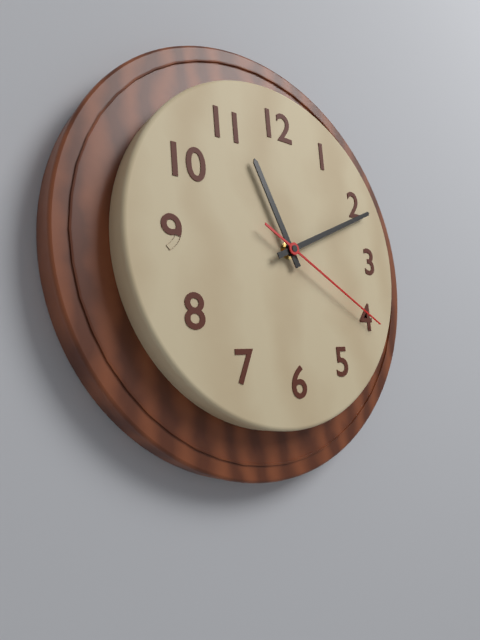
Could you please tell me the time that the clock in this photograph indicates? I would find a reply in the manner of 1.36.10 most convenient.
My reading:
11.11.20
